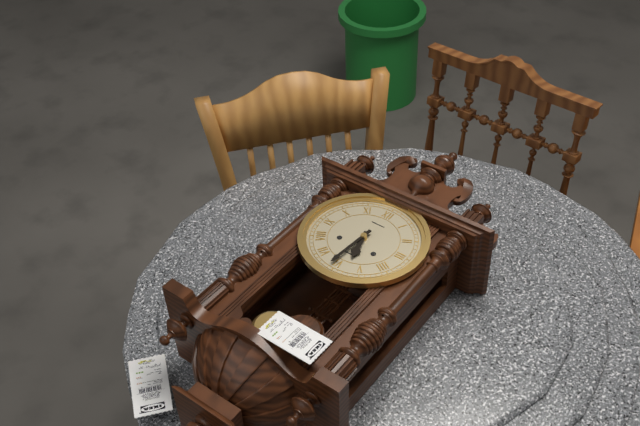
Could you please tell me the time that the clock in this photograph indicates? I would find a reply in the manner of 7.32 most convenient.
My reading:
5.31
